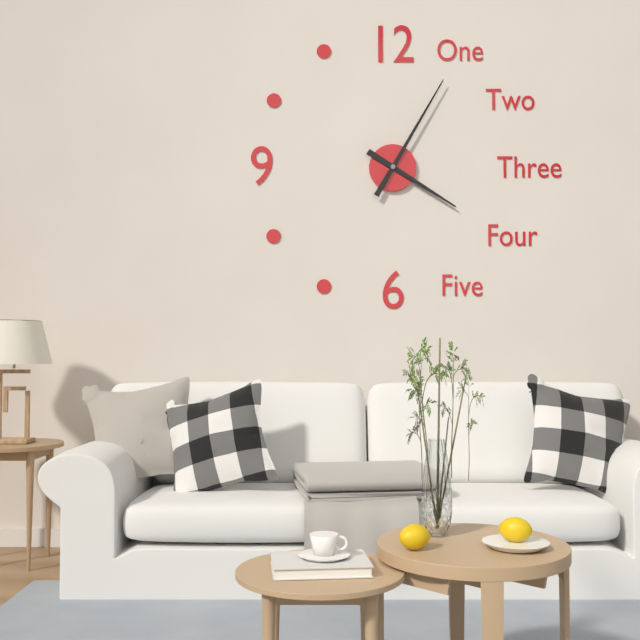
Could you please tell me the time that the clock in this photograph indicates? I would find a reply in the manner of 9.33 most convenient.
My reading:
4.05
